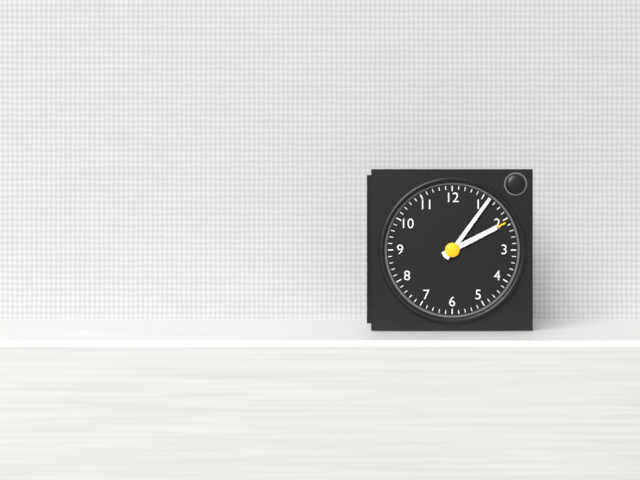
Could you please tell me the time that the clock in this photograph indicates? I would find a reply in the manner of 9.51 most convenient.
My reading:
2.06
